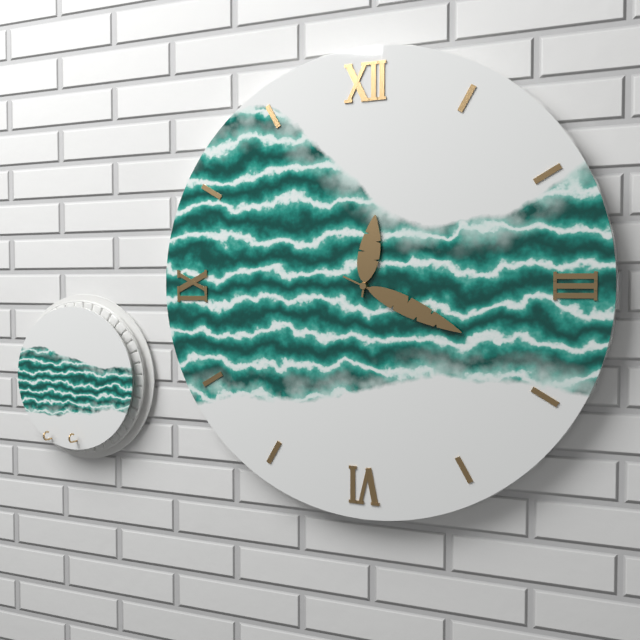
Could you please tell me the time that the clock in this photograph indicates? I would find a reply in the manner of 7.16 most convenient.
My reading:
12.19
